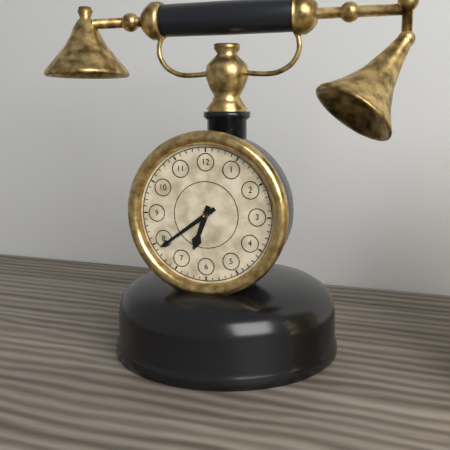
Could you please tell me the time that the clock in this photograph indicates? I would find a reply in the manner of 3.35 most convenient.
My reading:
6.39
